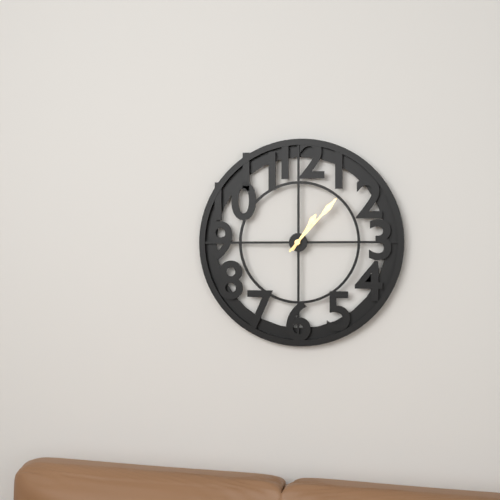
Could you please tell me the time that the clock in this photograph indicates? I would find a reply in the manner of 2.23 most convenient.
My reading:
1.07
